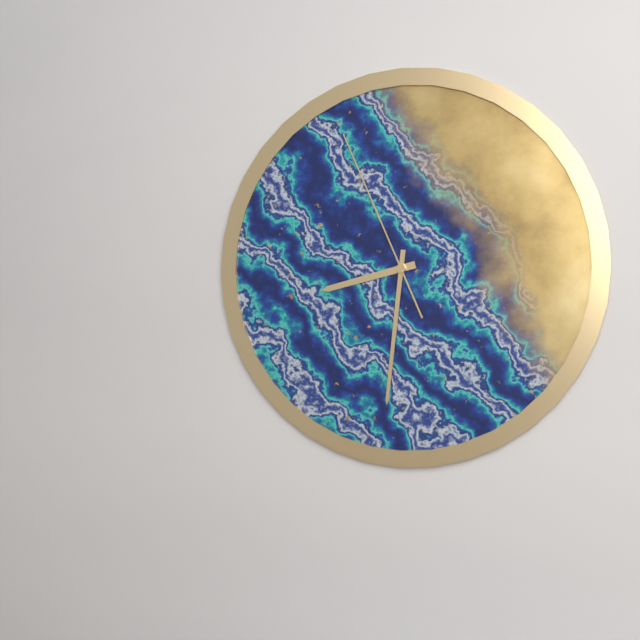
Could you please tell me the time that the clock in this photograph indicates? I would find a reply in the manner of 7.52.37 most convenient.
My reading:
8.31.56
